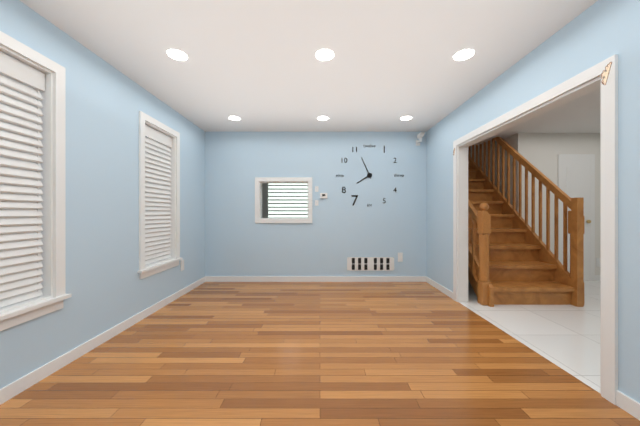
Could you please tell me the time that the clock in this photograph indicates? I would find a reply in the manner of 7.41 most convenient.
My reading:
7.56
